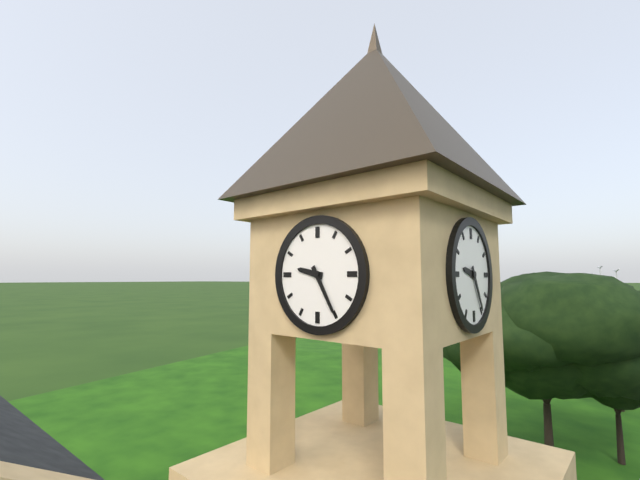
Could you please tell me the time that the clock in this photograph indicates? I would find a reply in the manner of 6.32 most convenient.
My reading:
9.25
